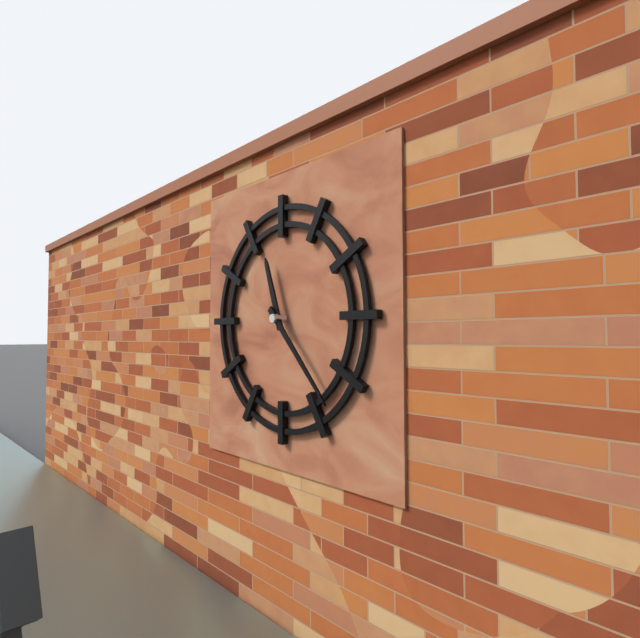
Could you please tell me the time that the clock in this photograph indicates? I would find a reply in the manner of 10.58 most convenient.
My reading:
11.23
